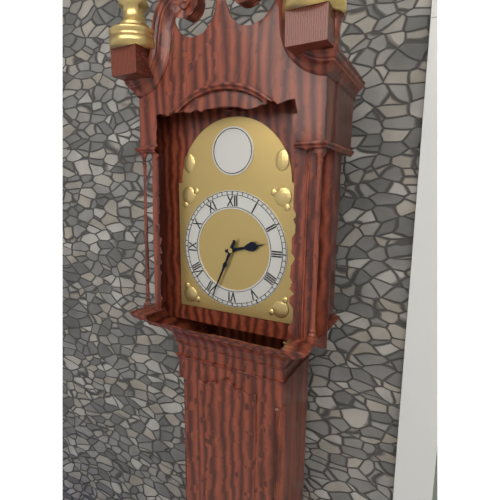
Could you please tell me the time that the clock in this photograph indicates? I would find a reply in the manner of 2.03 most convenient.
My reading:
2.34
